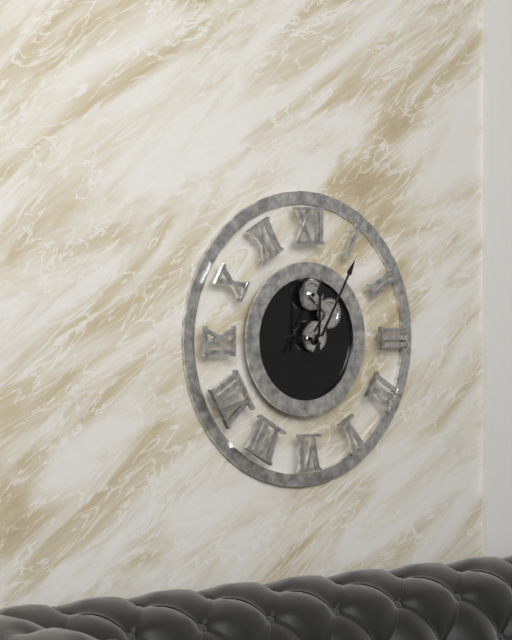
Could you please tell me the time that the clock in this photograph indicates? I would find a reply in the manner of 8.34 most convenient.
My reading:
12.05
